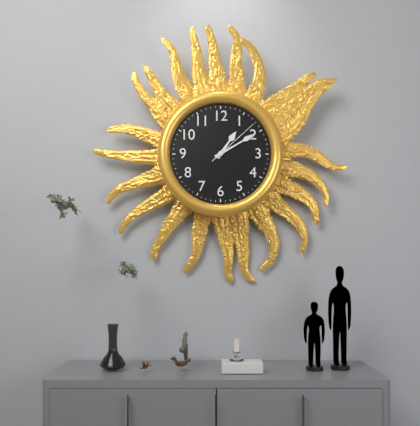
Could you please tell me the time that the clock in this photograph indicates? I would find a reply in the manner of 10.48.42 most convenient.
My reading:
1.10.08
